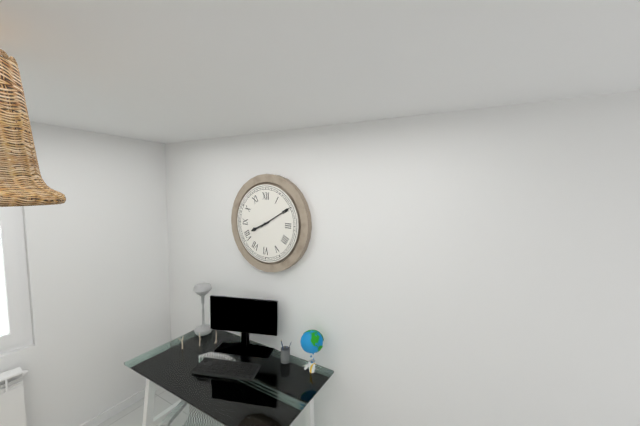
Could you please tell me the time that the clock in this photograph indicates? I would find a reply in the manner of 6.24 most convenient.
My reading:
8.10
